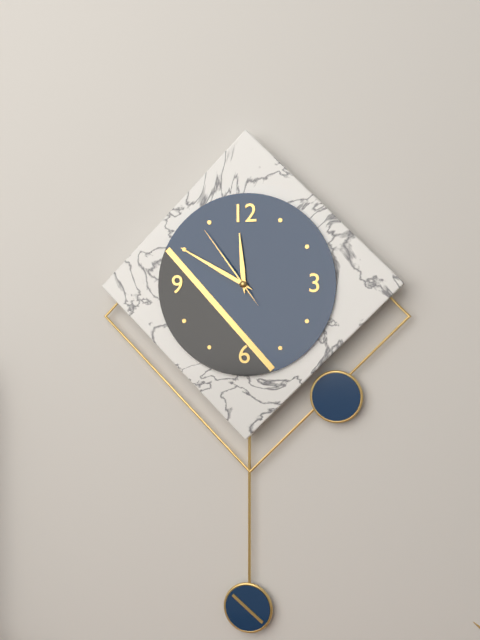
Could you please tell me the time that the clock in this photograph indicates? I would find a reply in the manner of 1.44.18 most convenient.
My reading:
11.50.54
